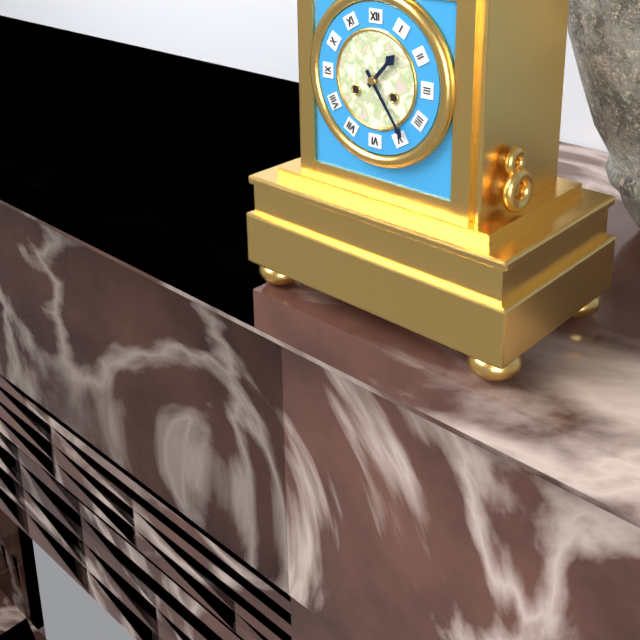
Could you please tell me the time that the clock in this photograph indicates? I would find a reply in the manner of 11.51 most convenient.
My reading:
1.24
